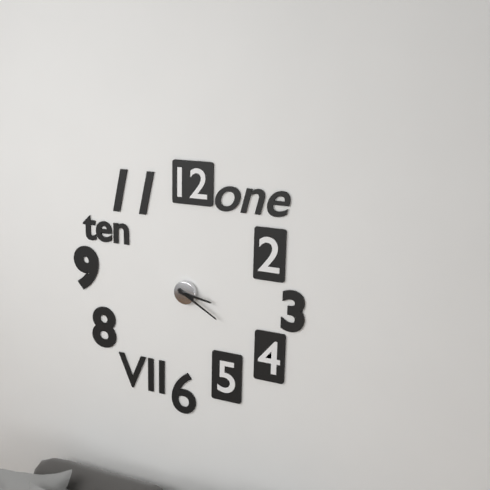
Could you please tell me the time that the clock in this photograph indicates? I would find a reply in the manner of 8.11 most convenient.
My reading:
3.20
